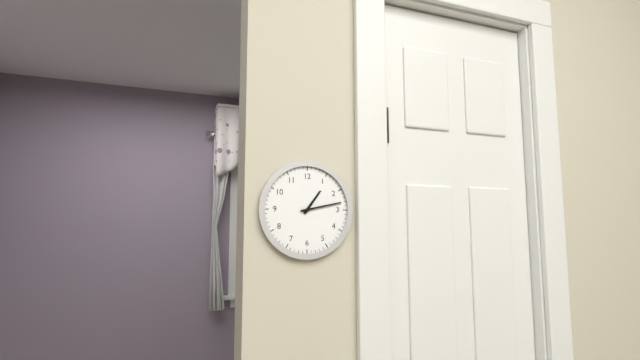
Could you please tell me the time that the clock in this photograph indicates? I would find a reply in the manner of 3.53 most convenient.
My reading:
1.13
